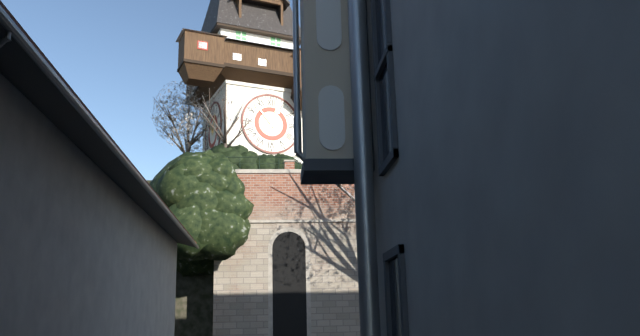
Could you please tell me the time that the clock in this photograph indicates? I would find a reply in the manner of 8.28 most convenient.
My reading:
12.53
